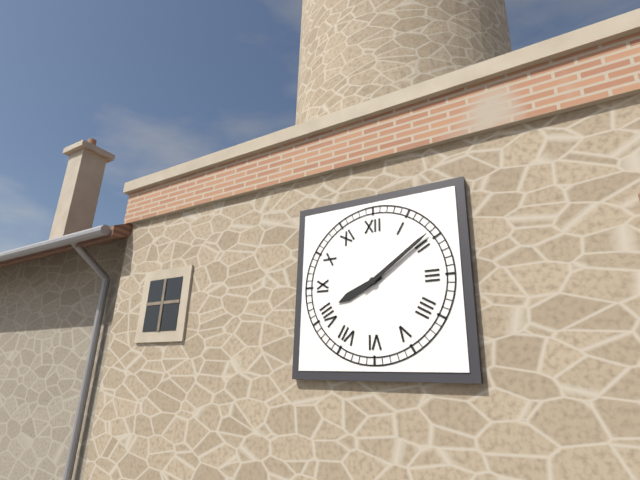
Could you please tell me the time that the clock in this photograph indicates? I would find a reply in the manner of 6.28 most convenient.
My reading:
8.09
